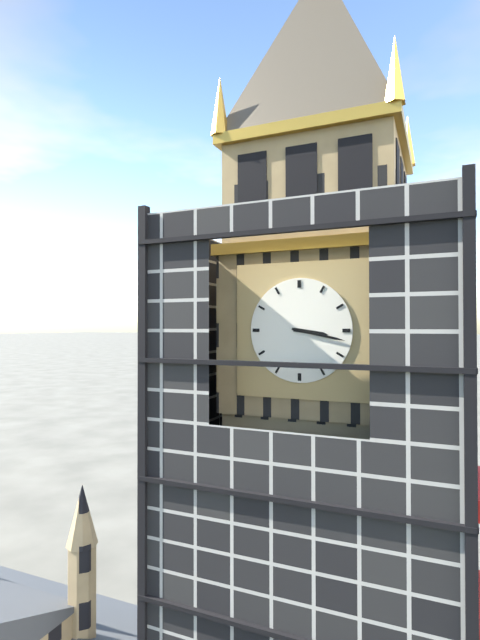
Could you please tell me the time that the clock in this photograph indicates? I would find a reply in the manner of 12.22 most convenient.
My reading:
3.17
